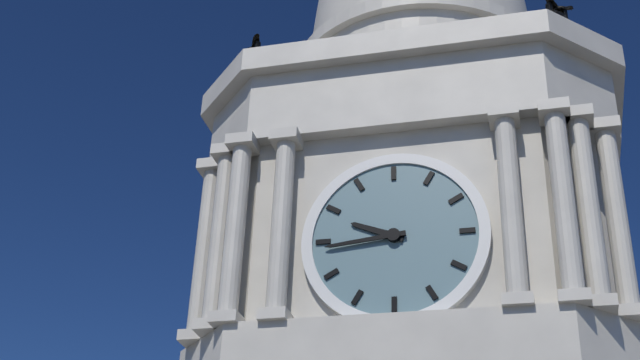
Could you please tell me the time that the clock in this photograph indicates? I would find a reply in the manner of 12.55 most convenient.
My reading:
9.44
